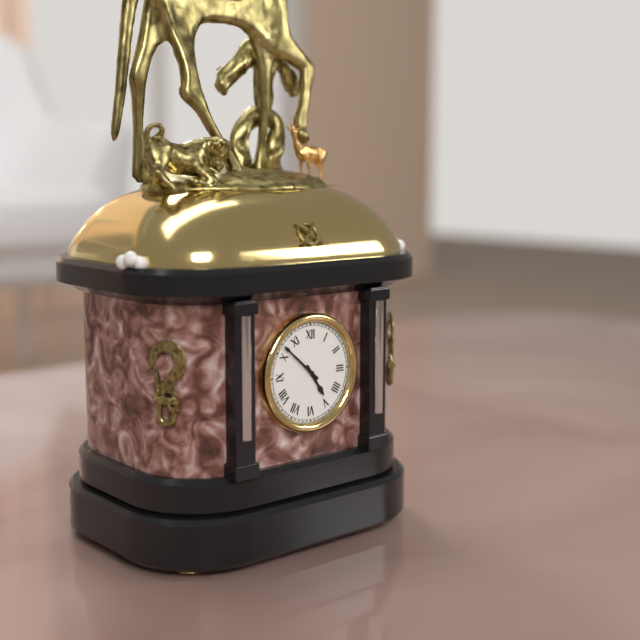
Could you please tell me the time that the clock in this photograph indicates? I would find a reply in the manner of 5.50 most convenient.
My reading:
4.52
